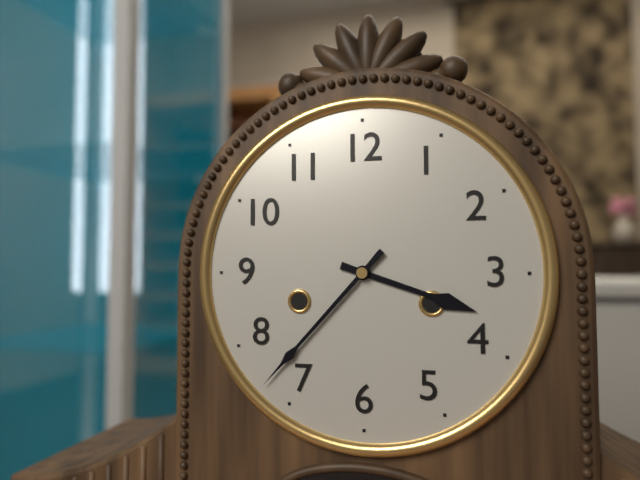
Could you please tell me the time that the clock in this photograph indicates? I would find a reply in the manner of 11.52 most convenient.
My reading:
3.37
